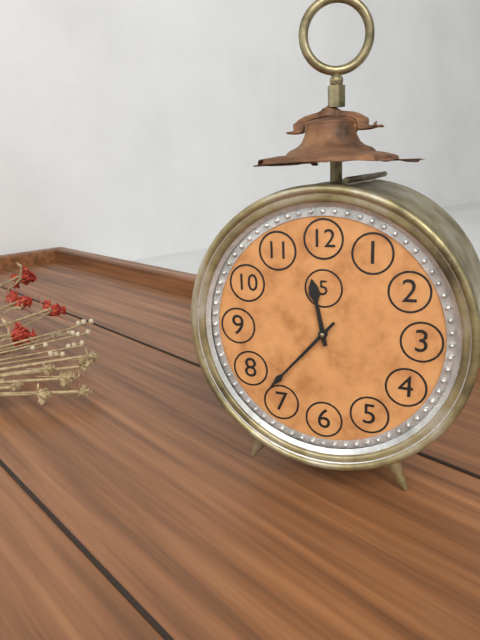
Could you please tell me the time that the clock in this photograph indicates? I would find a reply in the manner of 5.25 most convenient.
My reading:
11.37
